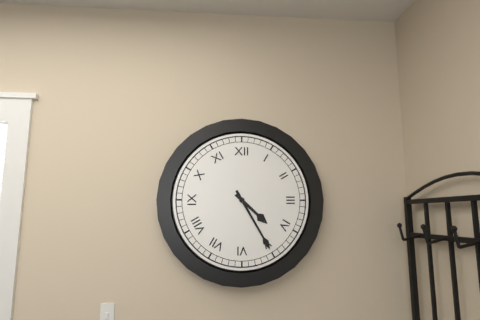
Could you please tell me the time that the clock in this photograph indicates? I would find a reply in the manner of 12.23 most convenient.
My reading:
4.25
